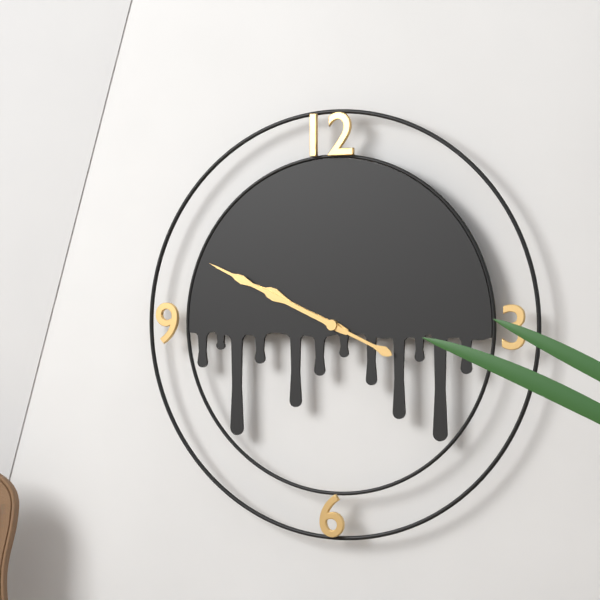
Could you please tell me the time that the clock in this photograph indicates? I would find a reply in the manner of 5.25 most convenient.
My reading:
9.49
